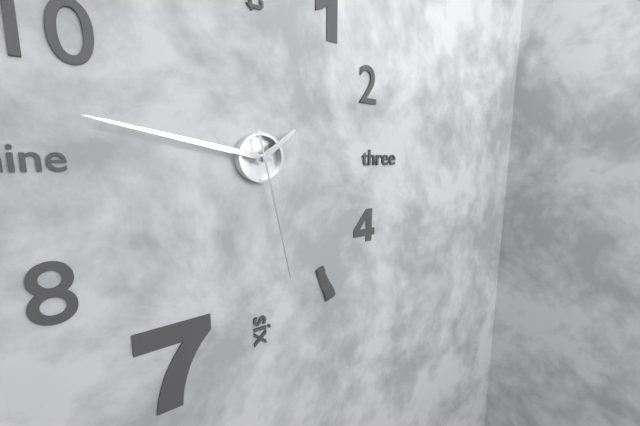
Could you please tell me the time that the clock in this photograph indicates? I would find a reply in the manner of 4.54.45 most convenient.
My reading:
1.47.28
